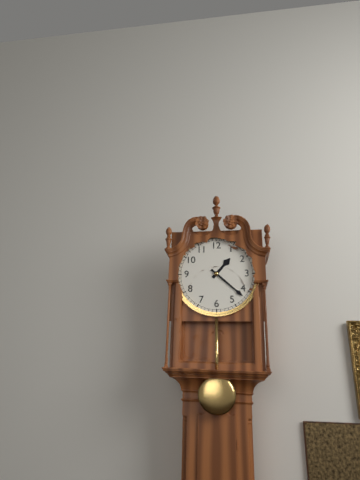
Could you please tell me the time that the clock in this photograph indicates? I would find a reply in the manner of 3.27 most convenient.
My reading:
1.22
